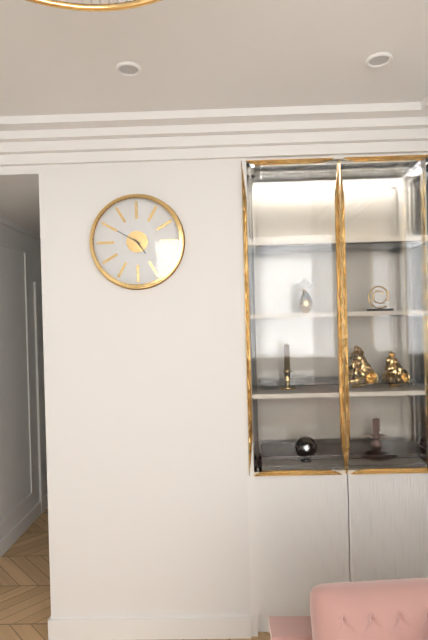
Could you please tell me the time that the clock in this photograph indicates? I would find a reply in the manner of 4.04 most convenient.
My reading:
4.50
